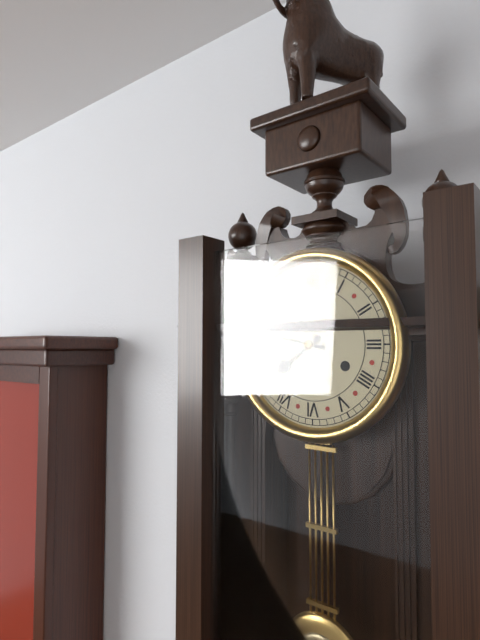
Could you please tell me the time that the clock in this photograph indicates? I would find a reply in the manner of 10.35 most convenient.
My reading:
7.47
